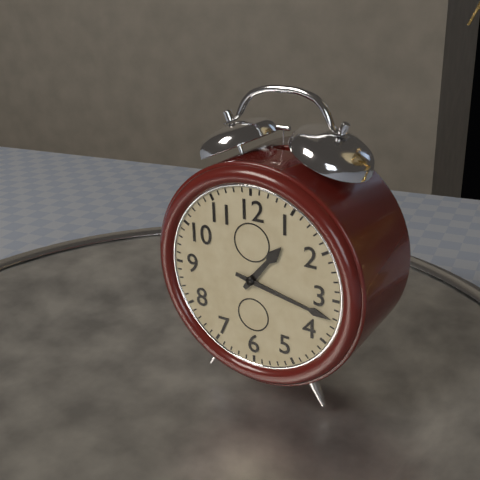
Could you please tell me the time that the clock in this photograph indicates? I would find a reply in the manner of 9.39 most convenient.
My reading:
1.17
